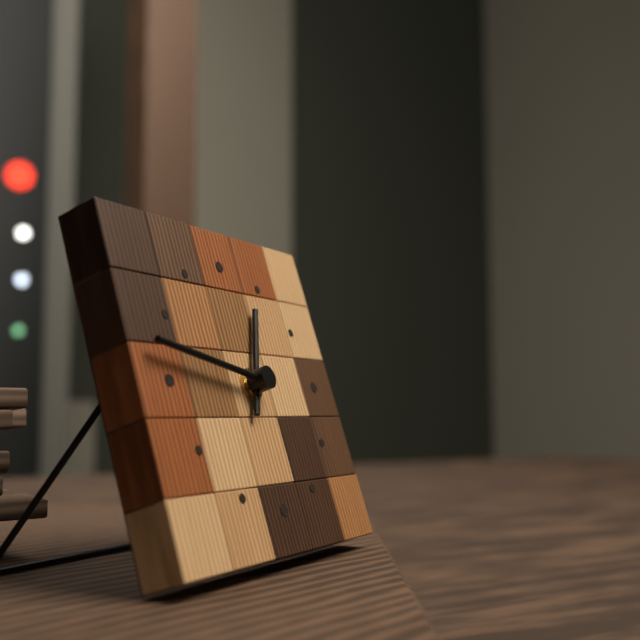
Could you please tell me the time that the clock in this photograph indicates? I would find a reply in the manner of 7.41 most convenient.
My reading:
12.47
